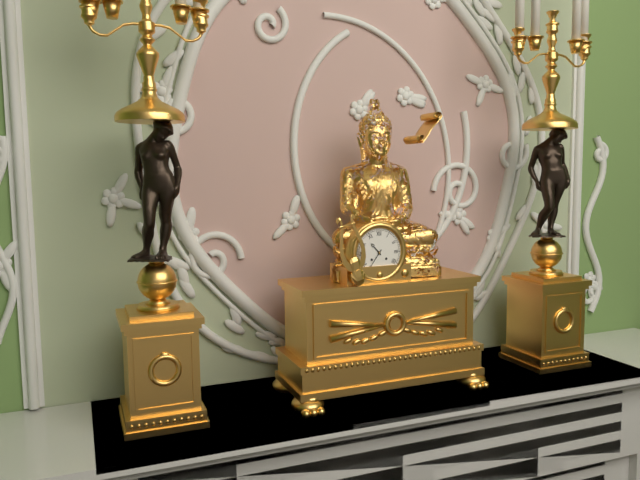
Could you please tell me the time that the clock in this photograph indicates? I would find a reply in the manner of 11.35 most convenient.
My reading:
10.36
